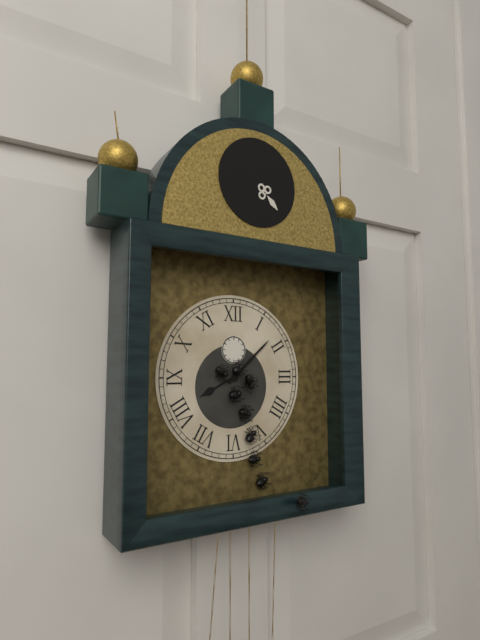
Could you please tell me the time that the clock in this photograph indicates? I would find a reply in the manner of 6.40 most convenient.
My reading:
8.08
